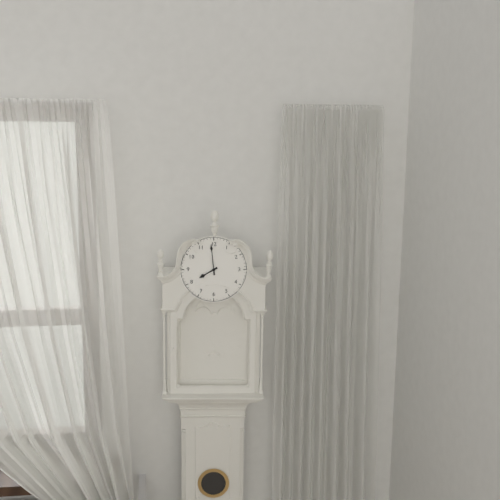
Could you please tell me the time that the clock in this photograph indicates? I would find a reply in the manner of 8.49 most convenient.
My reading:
7.59
